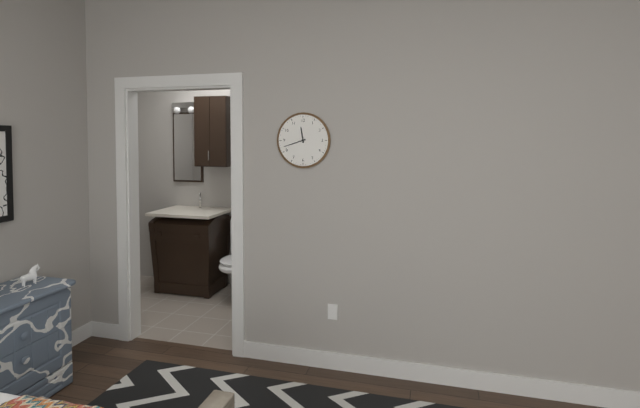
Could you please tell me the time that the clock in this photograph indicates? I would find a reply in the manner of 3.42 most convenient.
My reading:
11.42
